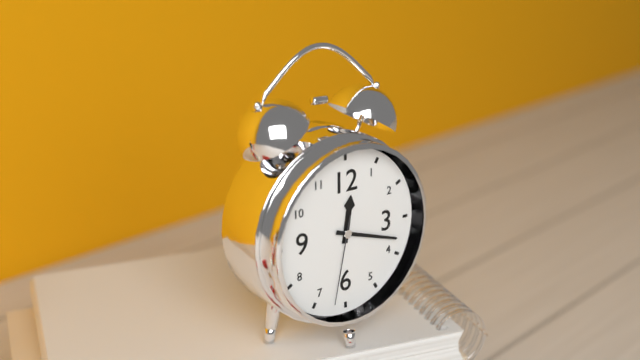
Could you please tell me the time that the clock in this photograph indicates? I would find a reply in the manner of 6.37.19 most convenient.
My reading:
12.18.32
